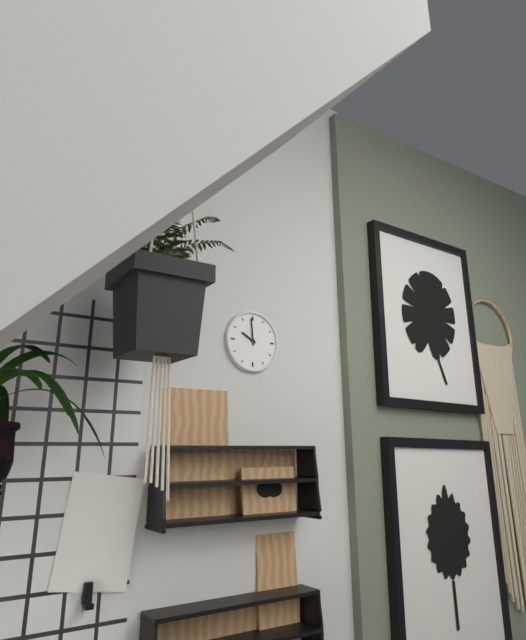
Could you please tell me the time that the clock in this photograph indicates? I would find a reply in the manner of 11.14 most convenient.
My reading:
9.59
